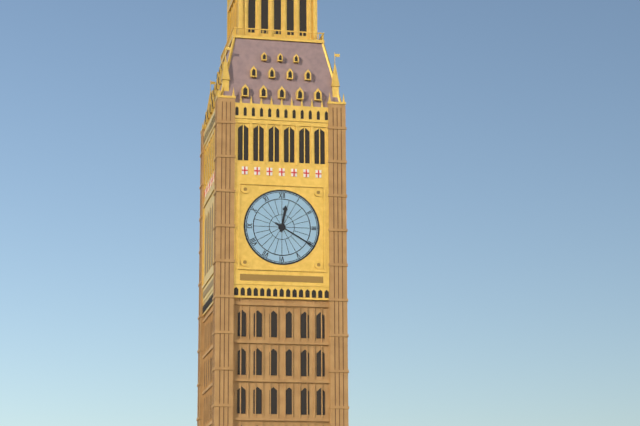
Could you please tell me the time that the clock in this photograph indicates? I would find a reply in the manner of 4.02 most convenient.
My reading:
12.20
